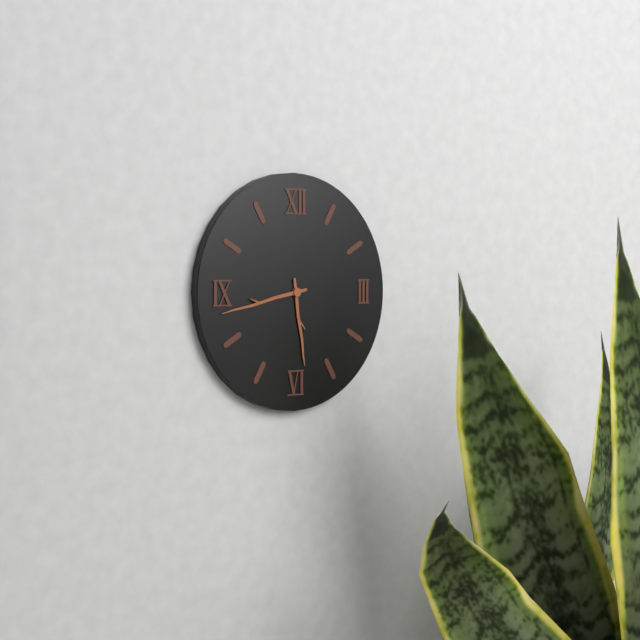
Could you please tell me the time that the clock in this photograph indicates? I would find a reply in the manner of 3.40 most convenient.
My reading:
5.43
